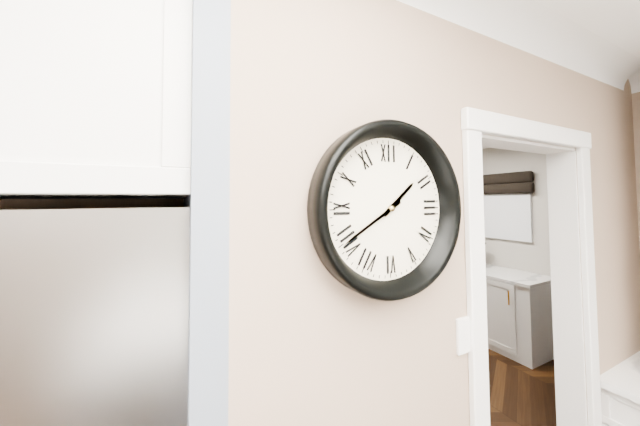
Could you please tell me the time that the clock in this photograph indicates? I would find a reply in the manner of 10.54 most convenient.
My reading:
1.40
